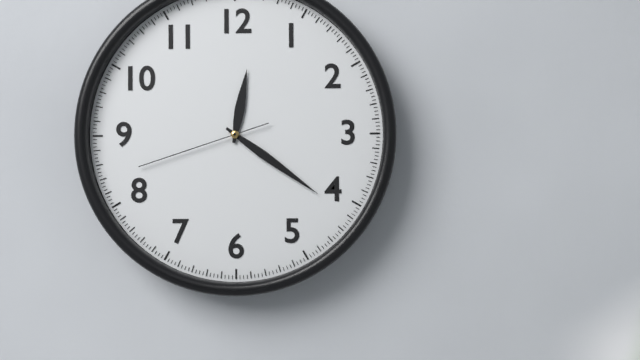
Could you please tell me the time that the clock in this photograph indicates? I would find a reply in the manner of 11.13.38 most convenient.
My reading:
12.21.42
